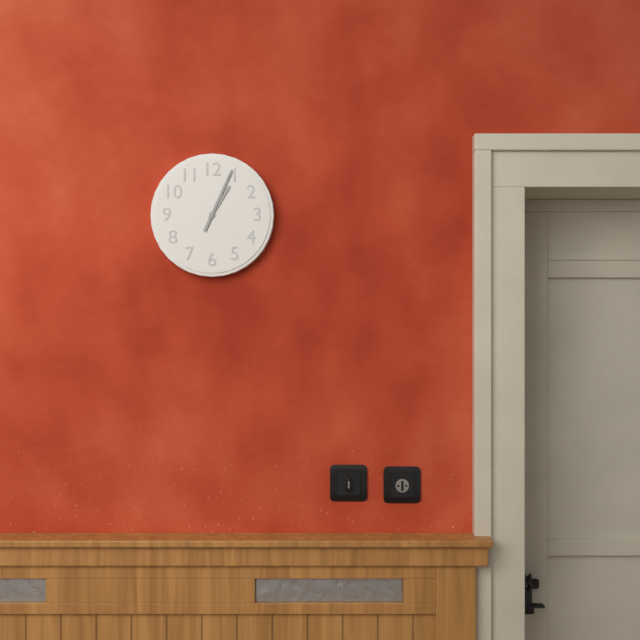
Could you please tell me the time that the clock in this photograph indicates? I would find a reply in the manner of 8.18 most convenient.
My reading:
1.04
